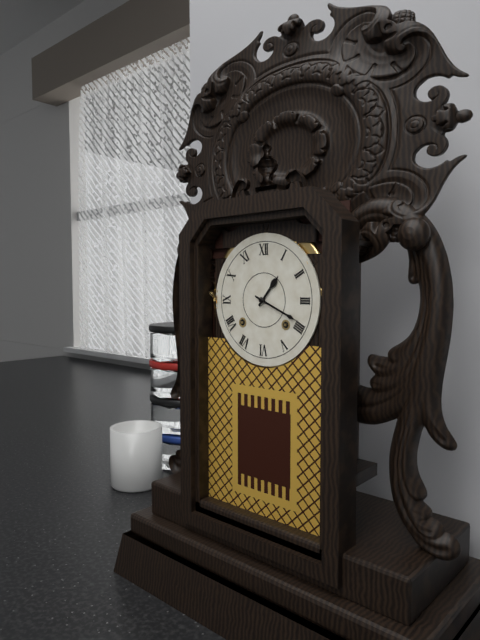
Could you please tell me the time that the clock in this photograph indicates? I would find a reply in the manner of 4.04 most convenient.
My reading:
1.19
